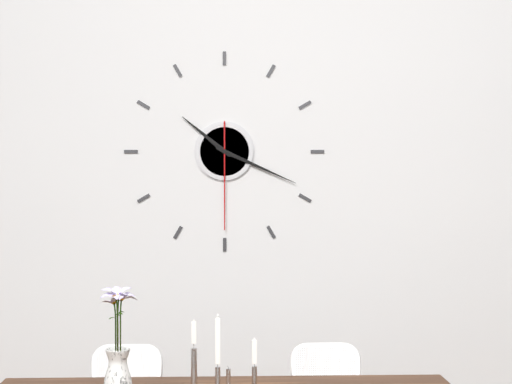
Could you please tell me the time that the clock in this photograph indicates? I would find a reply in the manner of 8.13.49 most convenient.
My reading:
10.19.30
